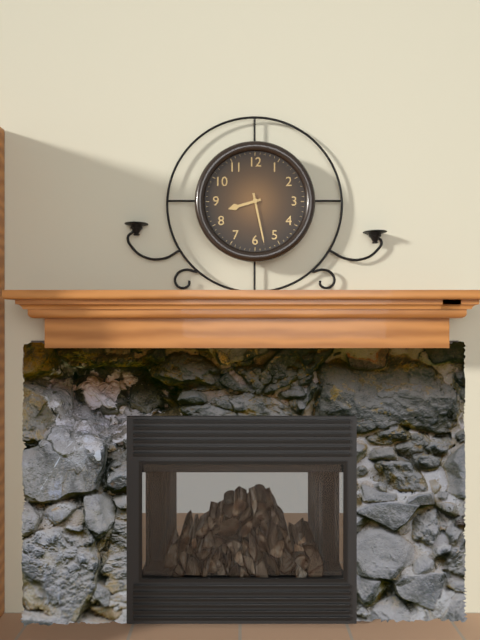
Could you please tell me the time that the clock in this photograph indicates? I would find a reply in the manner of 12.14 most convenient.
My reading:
8.28
